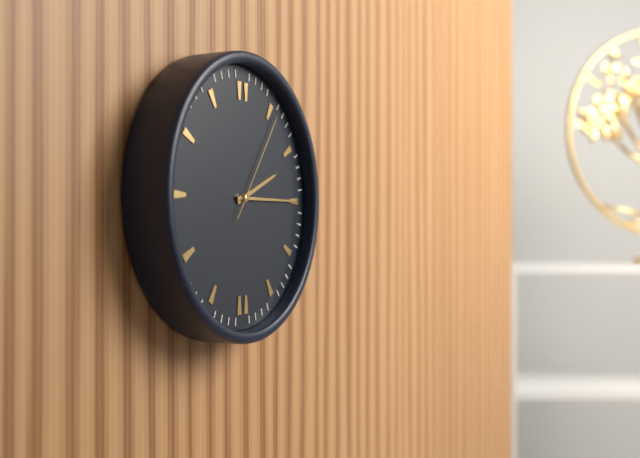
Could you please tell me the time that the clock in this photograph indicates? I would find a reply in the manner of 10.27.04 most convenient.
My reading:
2.15.06
